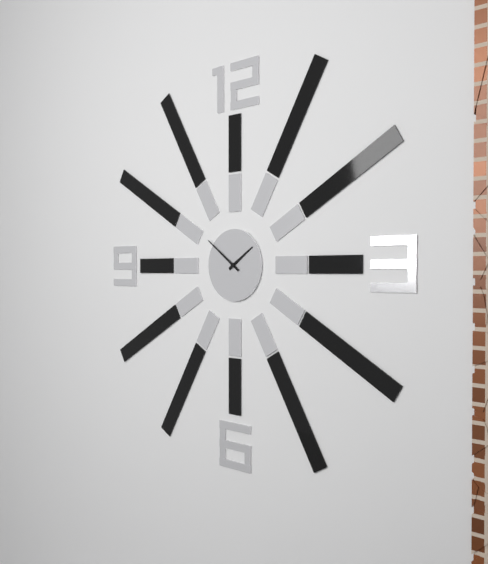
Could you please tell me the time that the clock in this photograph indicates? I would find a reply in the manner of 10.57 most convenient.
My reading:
1.51
